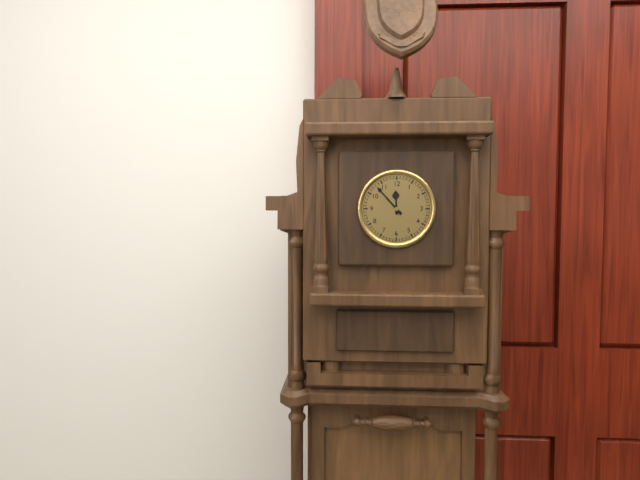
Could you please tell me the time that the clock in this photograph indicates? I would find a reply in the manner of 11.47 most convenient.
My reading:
11.53
